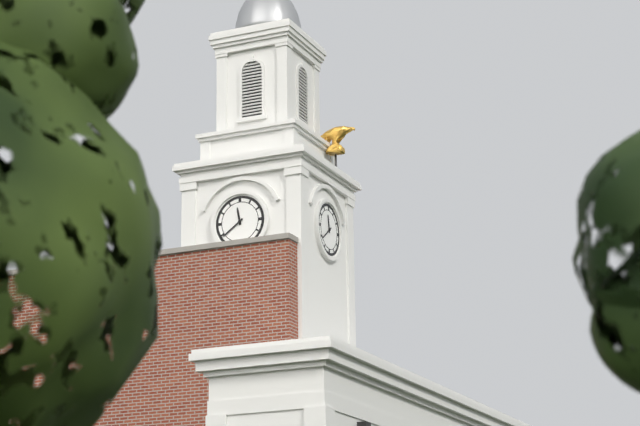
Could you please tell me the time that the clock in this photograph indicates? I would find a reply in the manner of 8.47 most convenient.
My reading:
11.39
